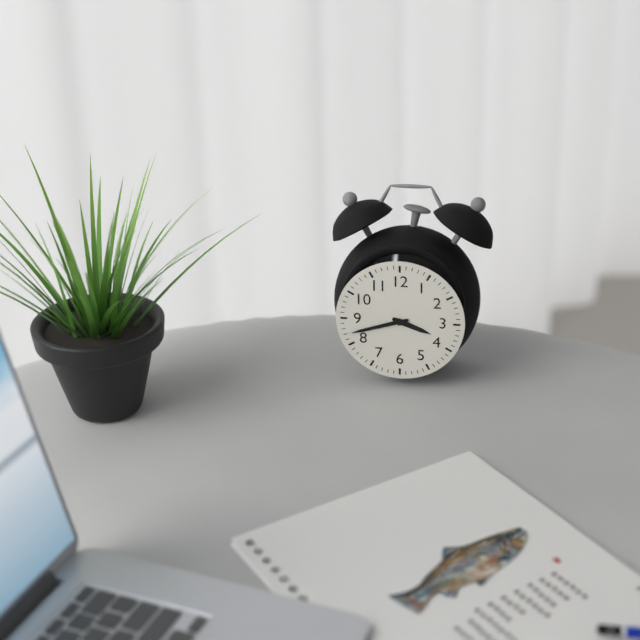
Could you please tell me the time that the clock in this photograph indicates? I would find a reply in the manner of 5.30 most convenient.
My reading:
3.42
